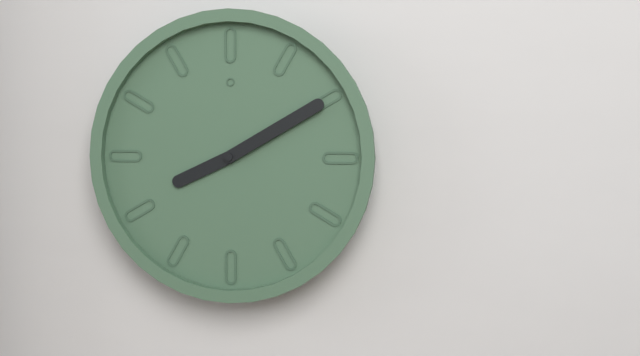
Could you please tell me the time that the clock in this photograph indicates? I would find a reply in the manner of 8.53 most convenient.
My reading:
8.10
